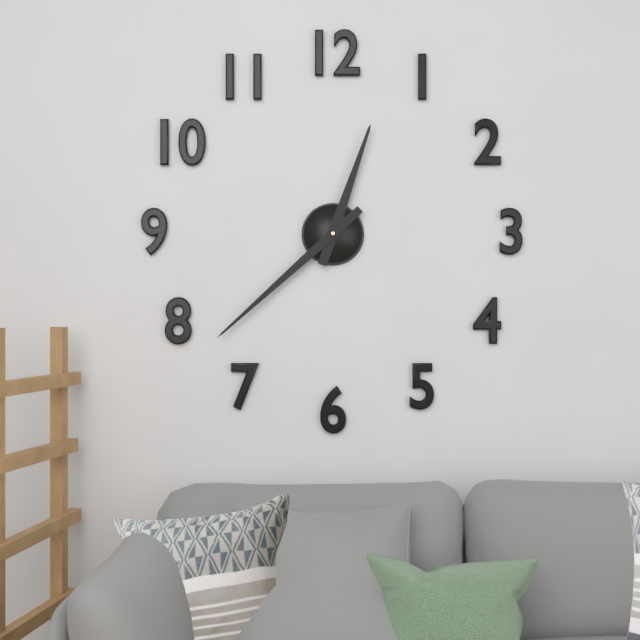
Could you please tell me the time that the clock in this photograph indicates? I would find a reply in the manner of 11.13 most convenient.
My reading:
12.38
